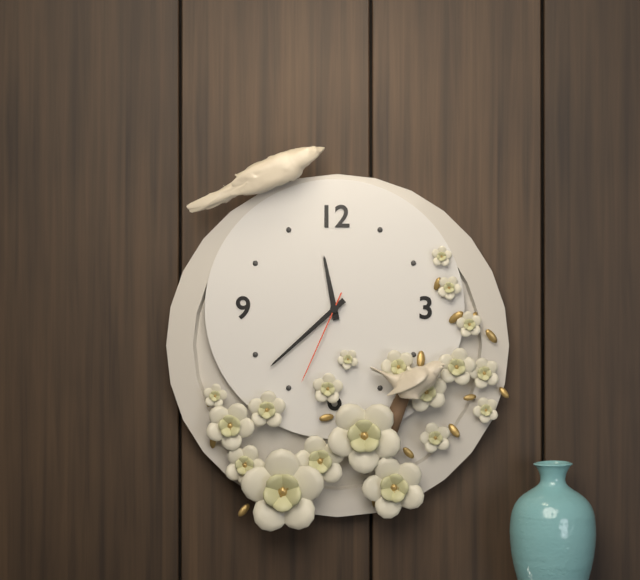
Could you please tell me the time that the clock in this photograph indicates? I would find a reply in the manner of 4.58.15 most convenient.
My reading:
11.38.34
